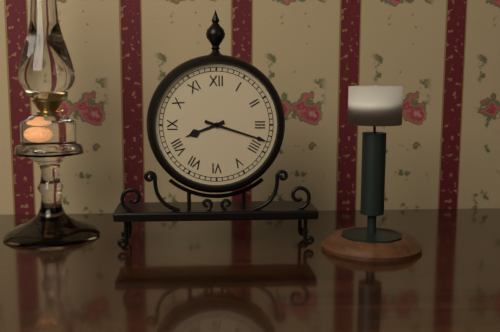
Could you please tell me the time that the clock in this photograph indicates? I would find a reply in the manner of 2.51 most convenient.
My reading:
8.18
